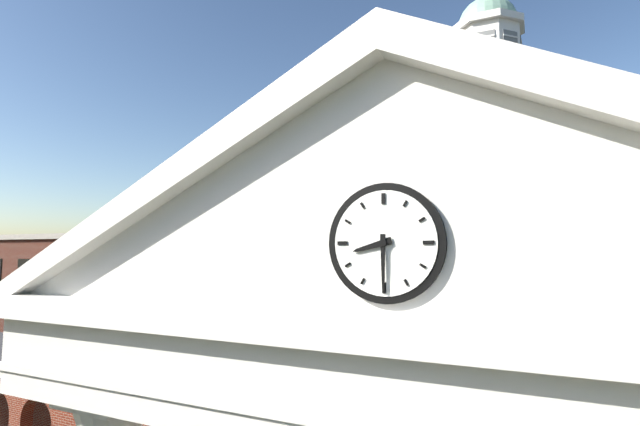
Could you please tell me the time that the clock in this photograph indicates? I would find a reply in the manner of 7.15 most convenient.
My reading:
8.30
